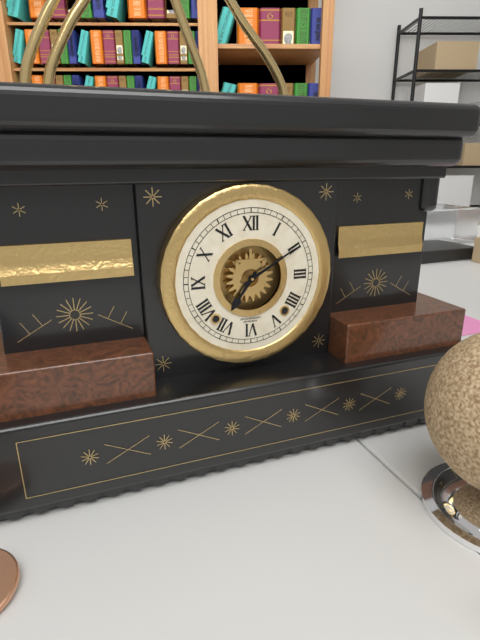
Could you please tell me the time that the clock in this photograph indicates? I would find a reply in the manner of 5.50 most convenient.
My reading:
7.10
